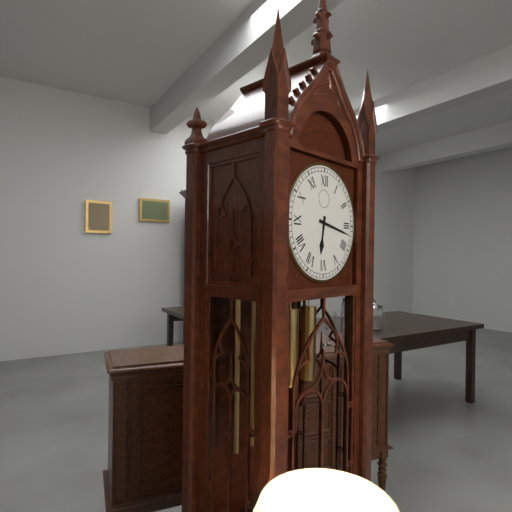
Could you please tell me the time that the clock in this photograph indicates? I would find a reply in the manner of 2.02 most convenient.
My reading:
6.17
